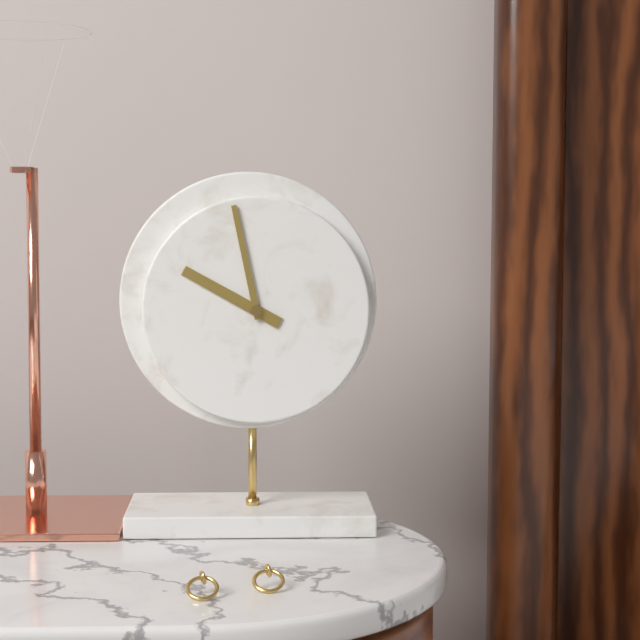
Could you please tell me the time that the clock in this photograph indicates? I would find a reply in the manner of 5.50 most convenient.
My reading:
9.58
